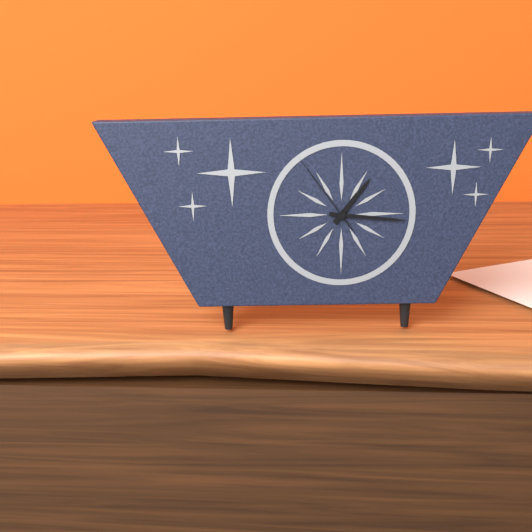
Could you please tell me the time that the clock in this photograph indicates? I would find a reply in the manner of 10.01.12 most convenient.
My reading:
1.16.54
